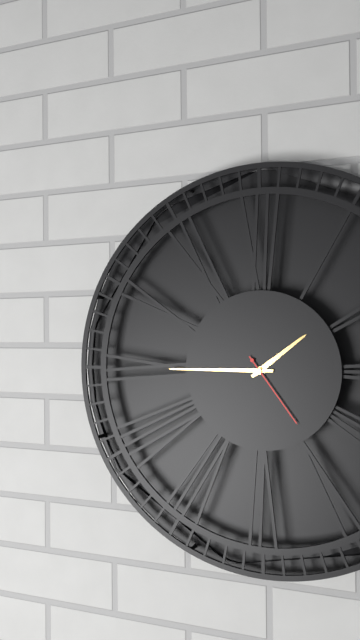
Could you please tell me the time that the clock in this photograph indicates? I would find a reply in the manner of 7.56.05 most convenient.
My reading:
1.45.24
